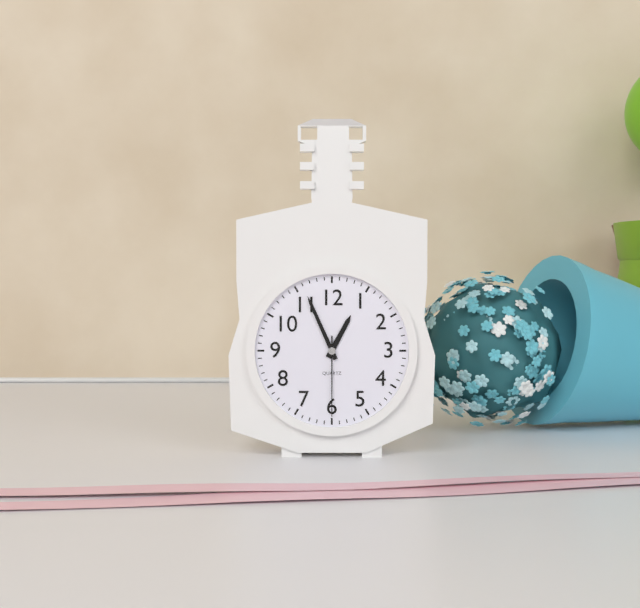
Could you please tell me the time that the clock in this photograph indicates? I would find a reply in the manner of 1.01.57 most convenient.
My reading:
12.56.30
